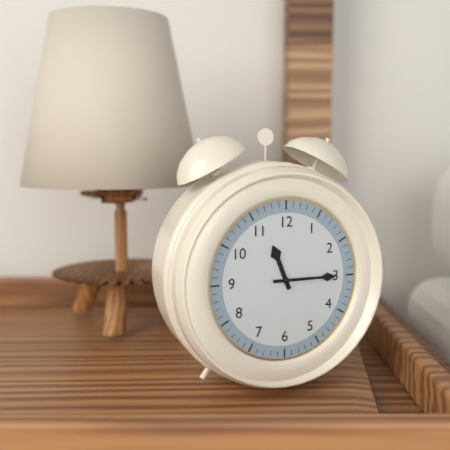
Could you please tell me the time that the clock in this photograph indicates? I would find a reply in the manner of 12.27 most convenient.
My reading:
11.15
